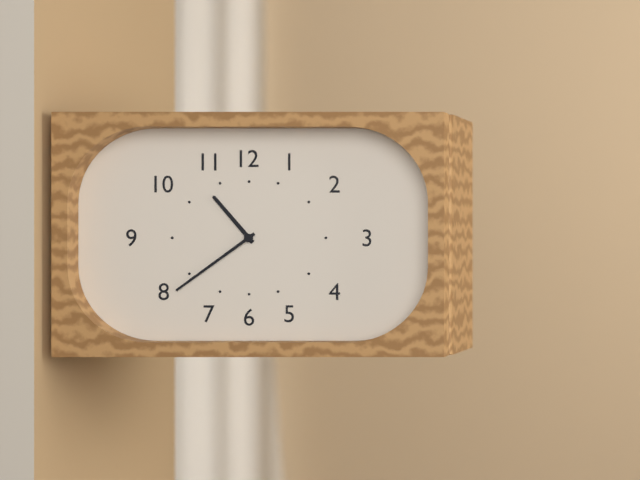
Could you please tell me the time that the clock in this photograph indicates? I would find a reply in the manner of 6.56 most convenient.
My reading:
10.39
